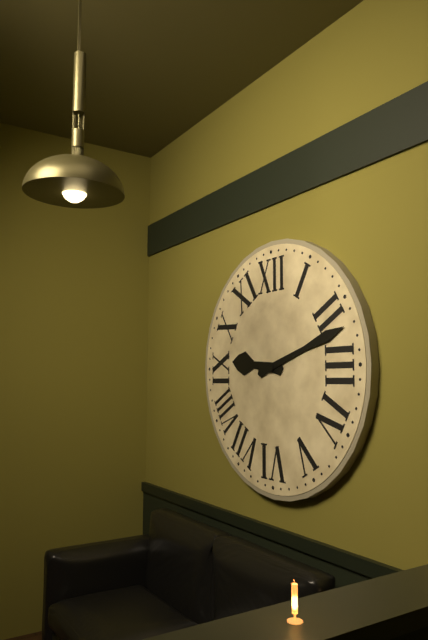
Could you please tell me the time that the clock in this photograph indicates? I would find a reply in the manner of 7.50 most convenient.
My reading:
9.12
